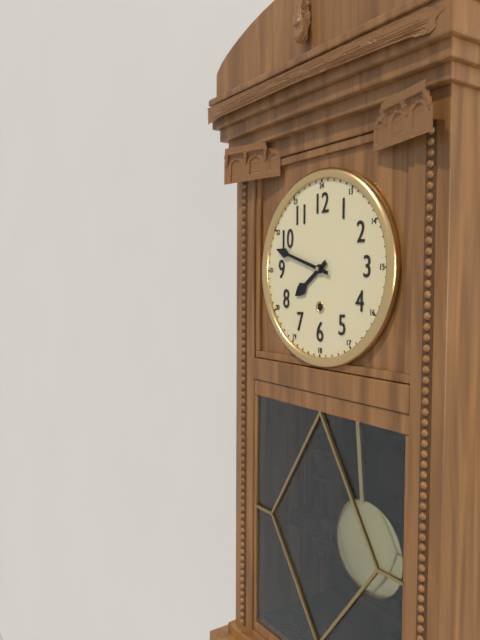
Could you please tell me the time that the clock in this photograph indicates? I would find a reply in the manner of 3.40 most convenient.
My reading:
7.48
